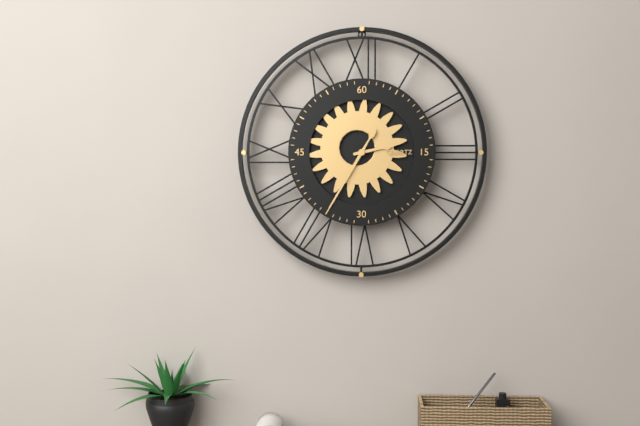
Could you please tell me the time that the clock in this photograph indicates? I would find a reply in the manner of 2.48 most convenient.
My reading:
2.35
